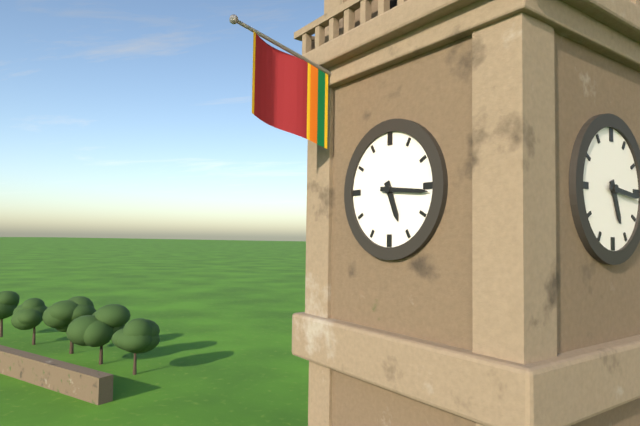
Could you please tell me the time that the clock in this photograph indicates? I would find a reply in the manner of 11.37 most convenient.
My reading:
5.16
